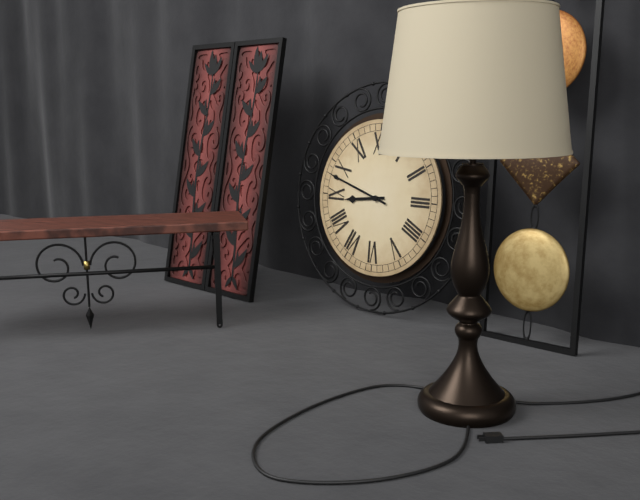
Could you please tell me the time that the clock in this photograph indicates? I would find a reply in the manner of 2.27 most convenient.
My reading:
8.48
